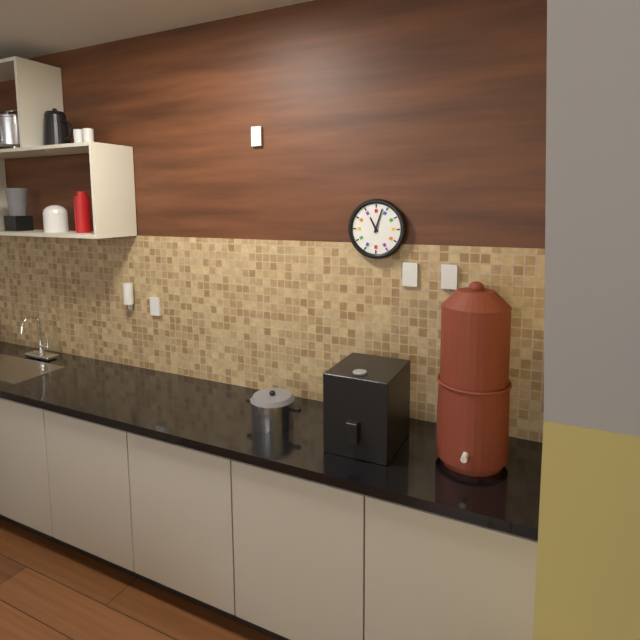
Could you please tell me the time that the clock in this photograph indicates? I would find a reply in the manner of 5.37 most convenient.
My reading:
11.03
